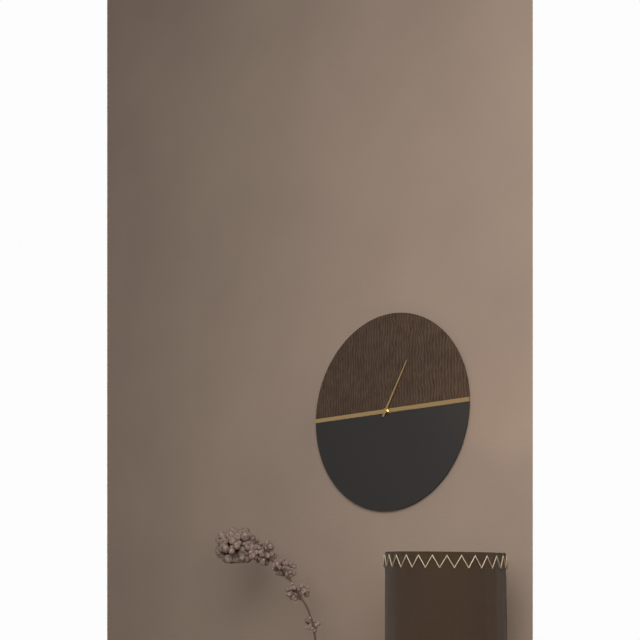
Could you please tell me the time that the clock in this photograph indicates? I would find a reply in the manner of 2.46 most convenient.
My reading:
3.05
